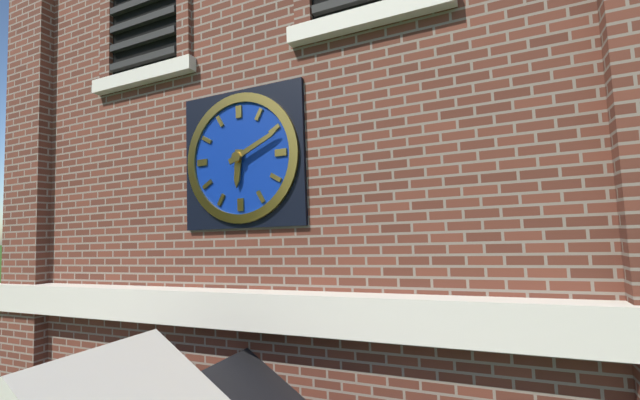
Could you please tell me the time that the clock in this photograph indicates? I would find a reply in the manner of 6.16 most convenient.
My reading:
6.11
